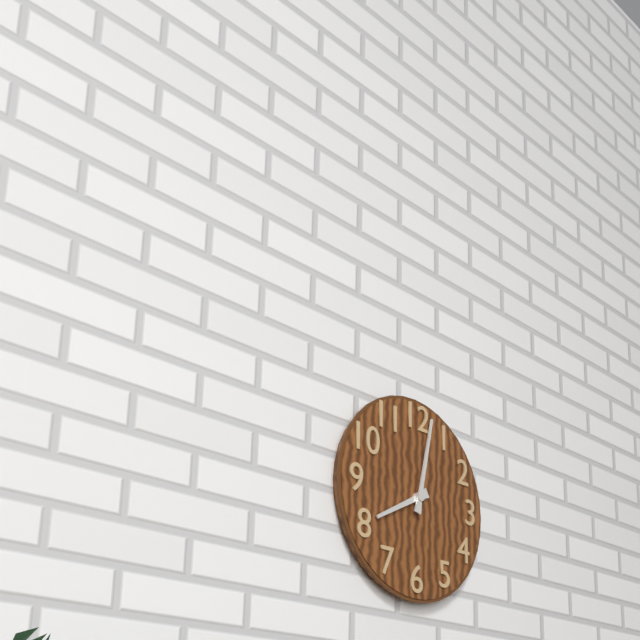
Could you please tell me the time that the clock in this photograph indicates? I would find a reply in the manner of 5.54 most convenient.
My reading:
8.02
